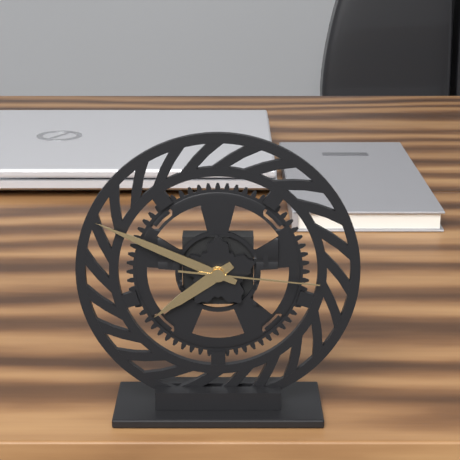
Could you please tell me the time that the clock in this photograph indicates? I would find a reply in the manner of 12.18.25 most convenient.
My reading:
7.49.16
